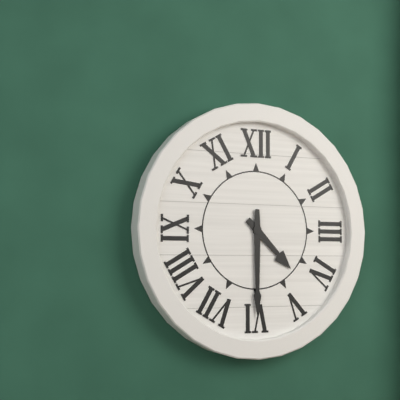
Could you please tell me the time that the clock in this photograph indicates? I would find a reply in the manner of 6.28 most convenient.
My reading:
4.30
